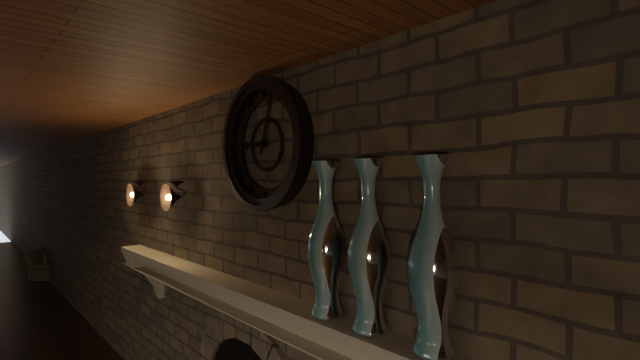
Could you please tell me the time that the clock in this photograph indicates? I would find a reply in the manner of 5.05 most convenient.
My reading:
9.03
